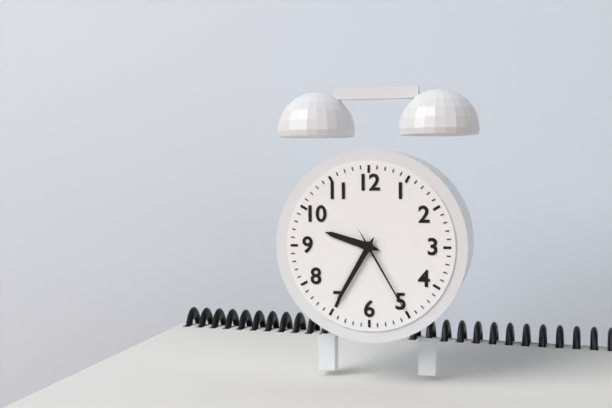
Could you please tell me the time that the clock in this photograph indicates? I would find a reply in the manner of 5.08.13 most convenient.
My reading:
9.35.25
